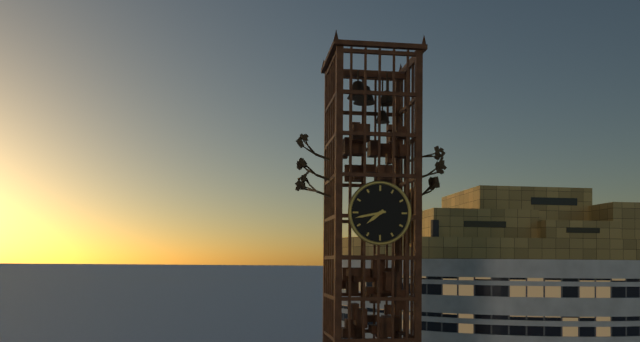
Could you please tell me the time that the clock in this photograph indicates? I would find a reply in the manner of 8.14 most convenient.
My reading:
7.43
